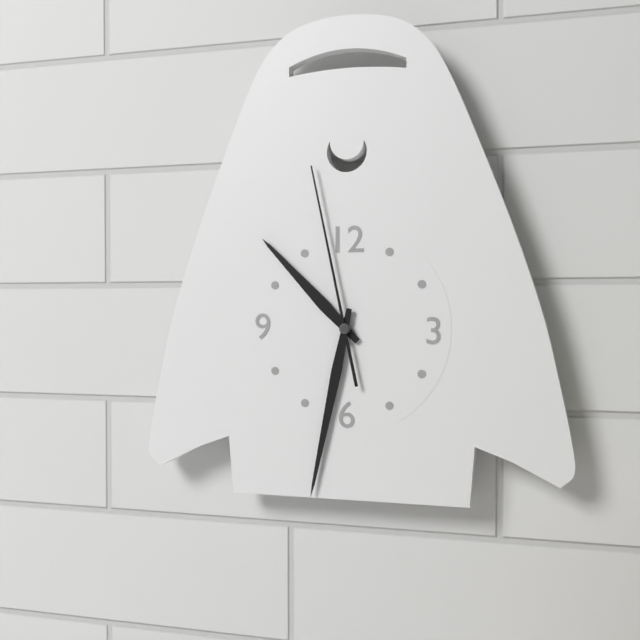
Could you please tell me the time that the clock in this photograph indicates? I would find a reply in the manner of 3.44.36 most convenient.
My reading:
10.32.58
